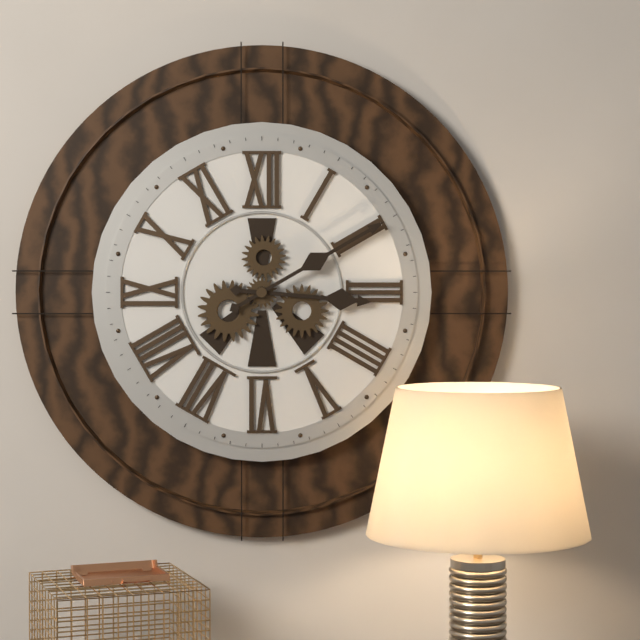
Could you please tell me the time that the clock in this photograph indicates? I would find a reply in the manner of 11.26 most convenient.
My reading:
3.10
